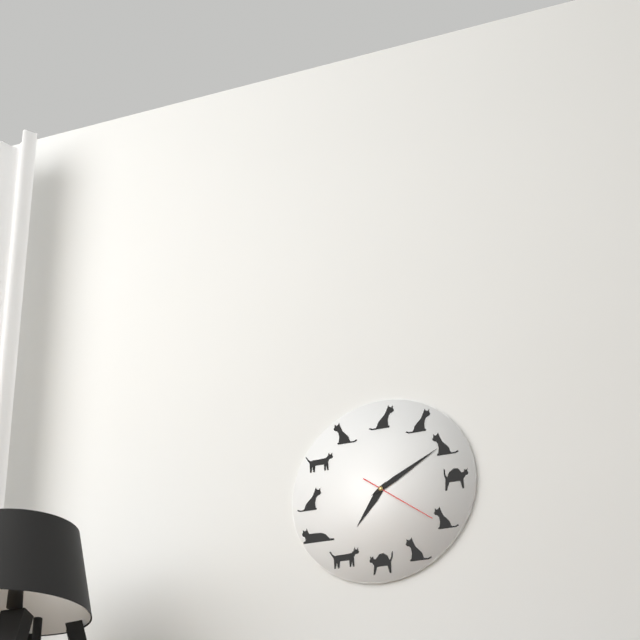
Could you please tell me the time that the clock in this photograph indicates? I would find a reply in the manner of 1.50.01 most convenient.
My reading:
7.10.21
